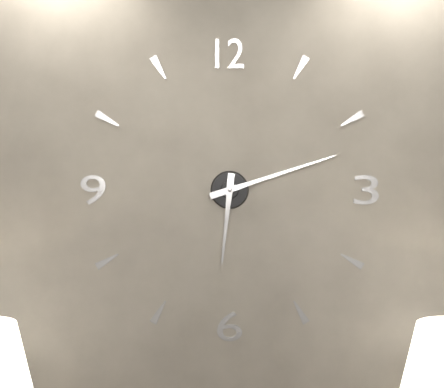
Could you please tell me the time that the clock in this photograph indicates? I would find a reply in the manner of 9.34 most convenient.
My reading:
6.12
